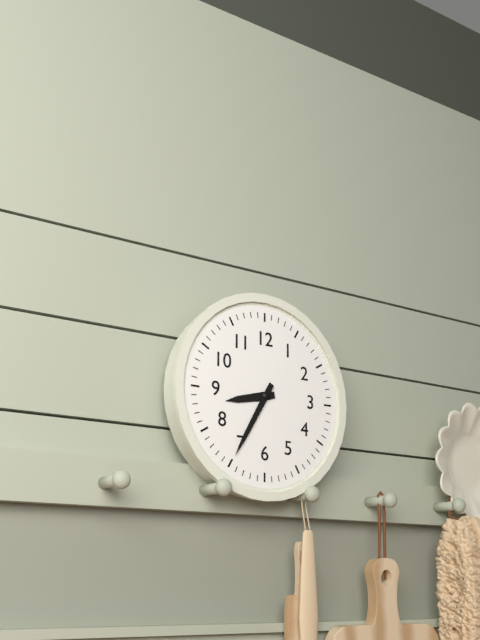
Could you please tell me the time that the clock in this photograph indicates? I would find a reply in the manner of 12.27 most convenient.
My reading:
8.35
